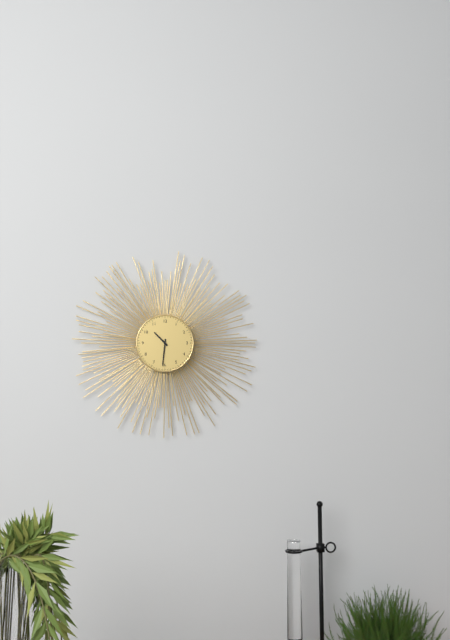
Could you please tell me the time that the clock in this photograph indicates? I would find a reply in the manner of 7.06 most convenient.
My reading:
10.31
